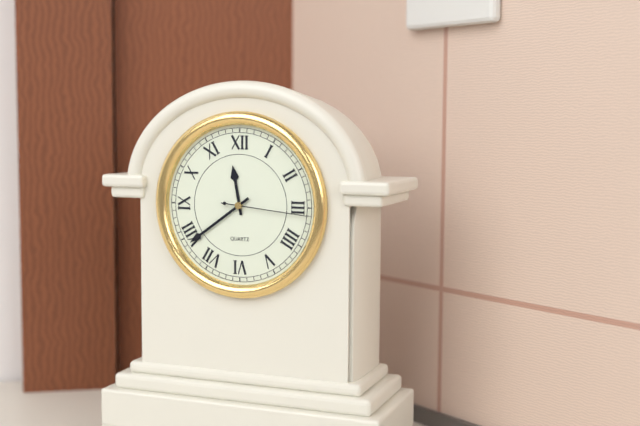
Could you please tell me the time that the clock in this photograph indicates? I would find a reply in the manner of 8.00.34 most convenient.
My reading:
11.39.16
